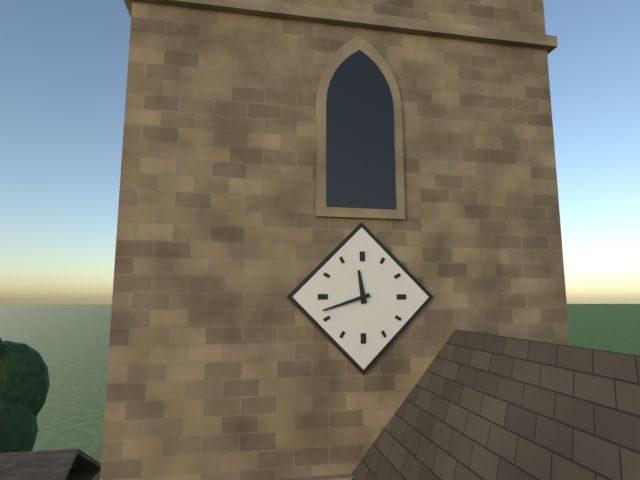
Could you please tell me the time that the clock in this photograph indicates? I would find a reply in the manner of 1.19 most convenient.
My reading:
11.42
